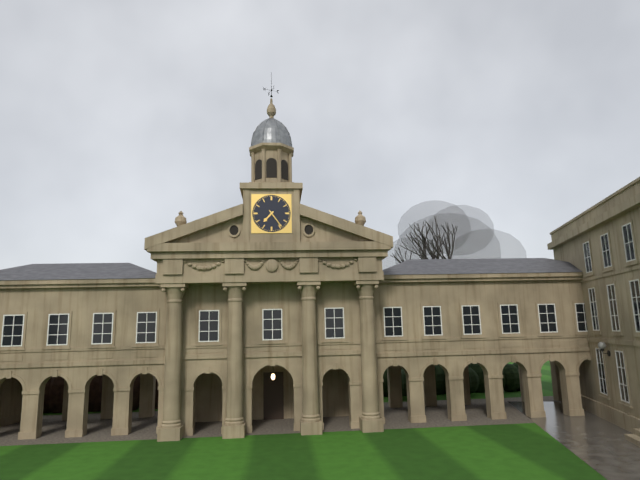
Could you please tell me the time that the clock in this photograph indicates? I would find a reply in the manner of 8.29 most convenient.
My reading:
7.24
